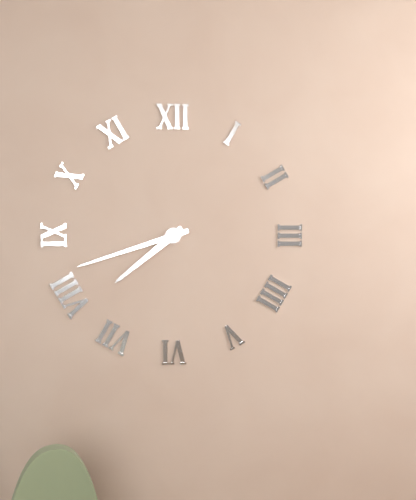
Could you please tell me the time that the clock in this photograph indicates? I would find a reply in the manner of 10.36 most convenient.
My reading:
7.42
